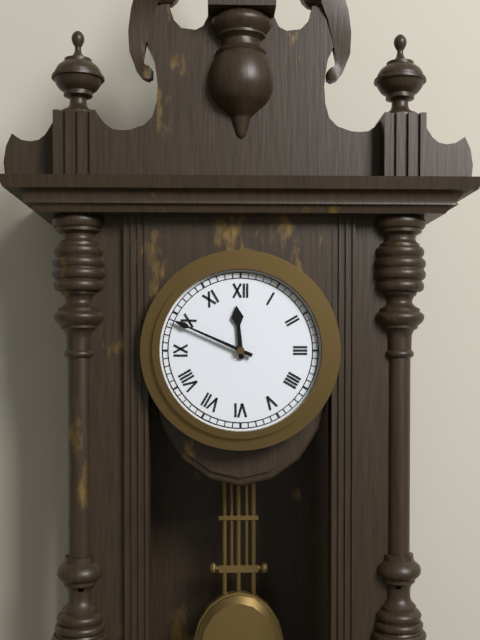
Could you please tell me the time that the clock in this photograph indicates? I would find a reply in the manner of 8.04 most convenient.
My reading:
11.49
